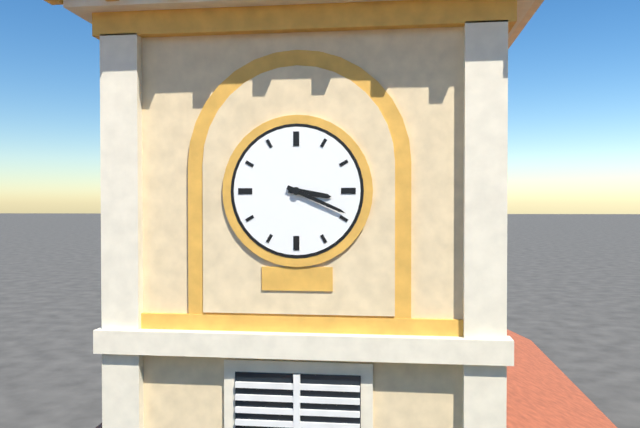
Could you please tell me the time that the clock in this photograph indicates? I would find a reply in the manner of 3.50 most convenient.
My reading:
3.19
